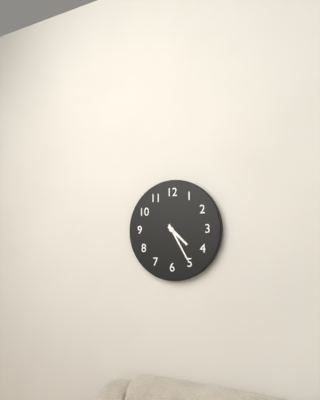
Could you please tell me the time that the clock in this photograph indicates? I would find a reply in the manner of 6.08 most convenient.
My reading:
4.25
